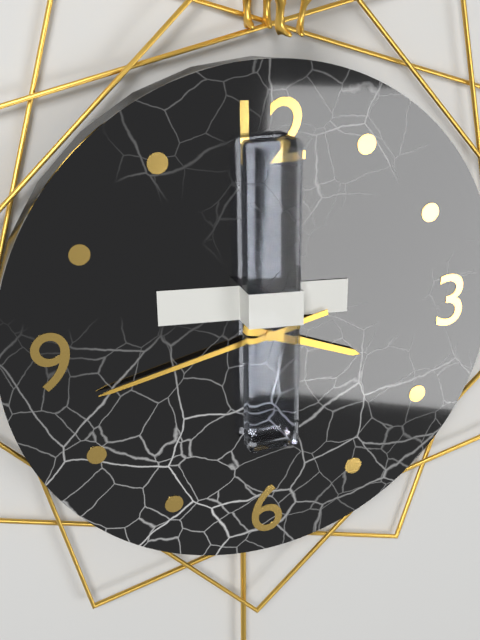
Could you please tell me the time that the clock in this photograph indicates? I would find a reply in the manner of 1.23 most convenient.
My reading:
3.43
